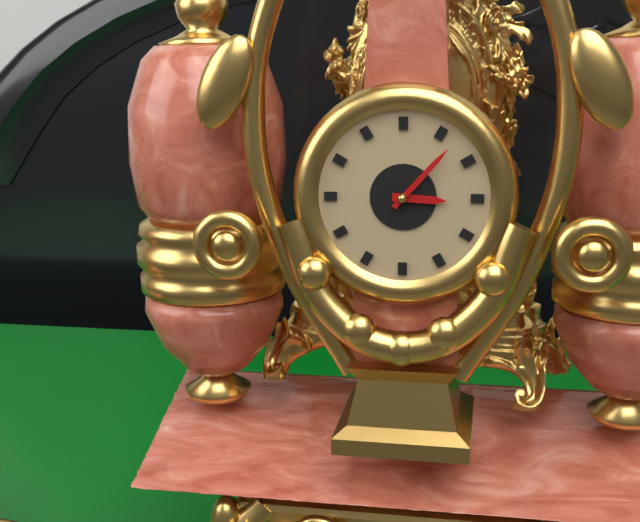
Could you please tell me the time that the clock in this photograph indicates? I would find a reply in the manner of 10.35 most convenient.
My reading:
3.07
